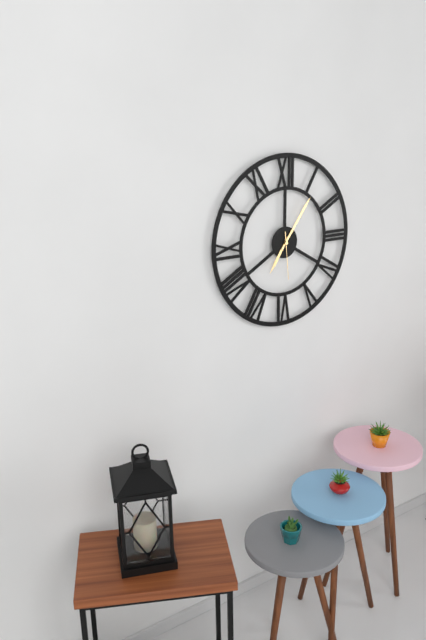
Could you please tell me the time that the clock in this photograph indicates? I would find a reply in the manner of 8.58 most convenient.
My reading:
7.06
